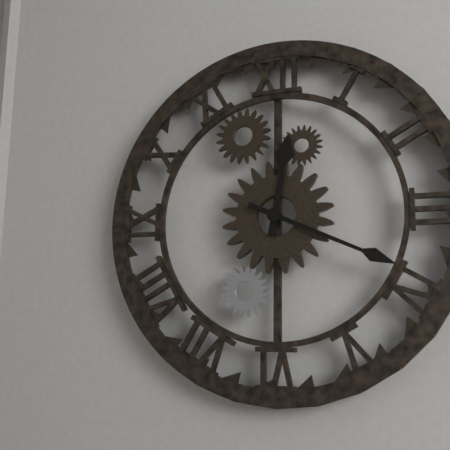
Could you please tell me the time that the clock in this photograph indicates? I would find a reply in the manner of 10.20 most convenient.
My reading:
12.19
